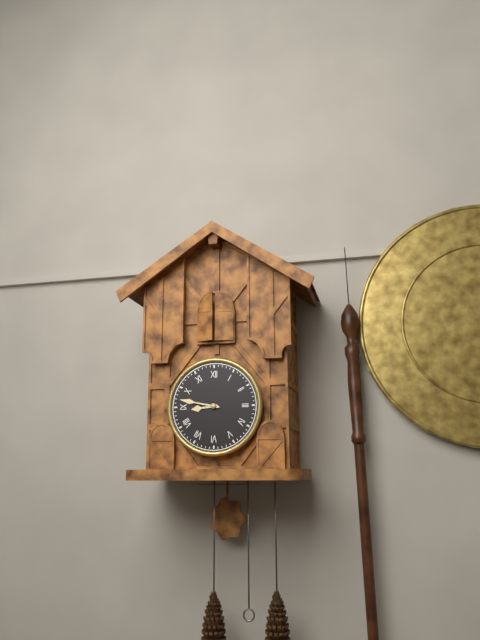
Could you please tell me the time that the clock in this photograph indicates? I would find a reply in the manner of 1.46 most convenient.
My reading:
8.47
